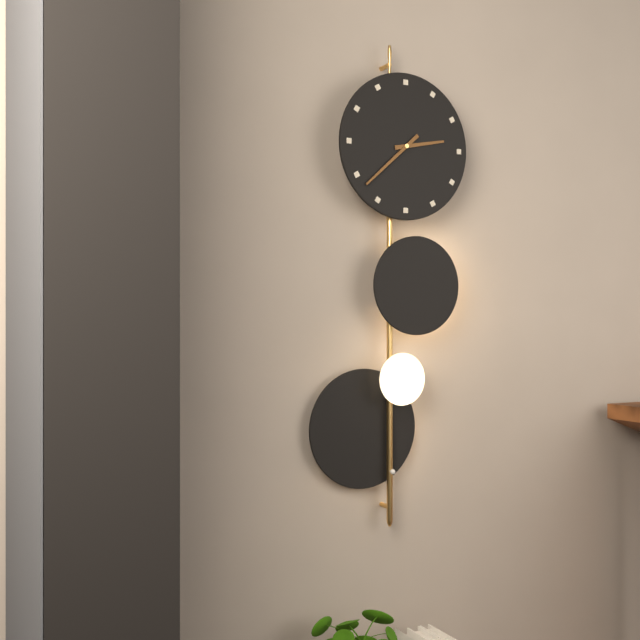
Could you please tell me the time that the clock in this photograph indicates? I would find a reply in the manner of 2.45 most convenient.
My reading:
2.38
